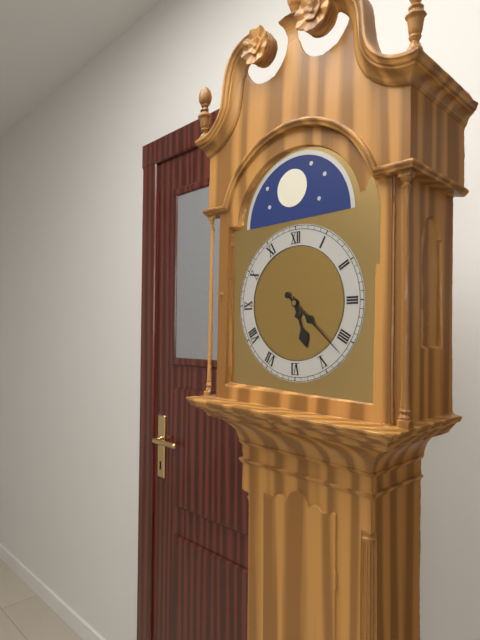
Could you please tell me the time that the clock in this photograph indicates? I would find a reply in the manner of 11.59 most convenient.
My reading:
5.22
